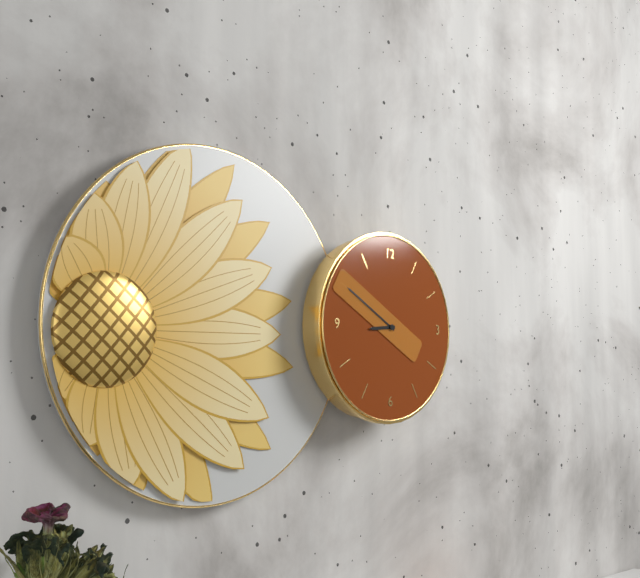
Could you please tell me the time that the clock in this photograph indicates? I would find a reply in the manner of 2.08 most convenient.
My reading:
8.50
